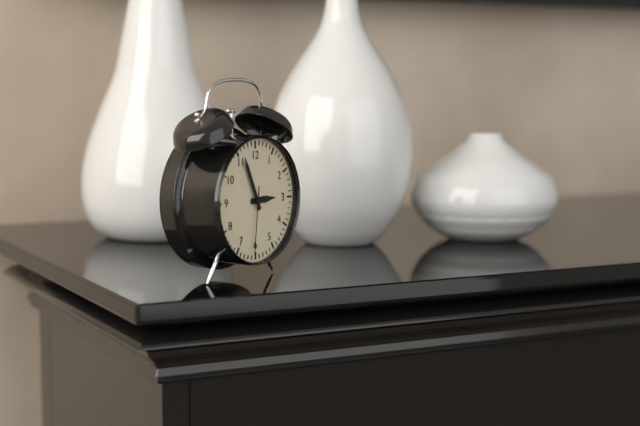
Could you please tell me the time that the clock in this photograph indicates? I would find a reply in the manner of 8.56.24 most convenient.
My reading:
2.56.31
